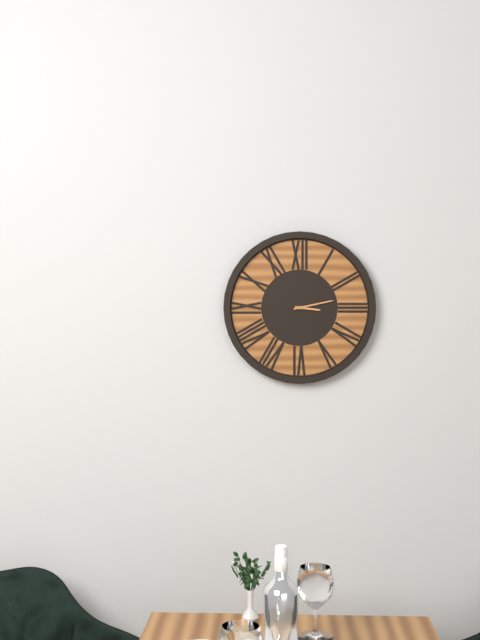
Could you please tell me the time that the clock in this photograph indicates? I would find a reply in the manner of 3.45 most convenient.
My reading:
3.13
